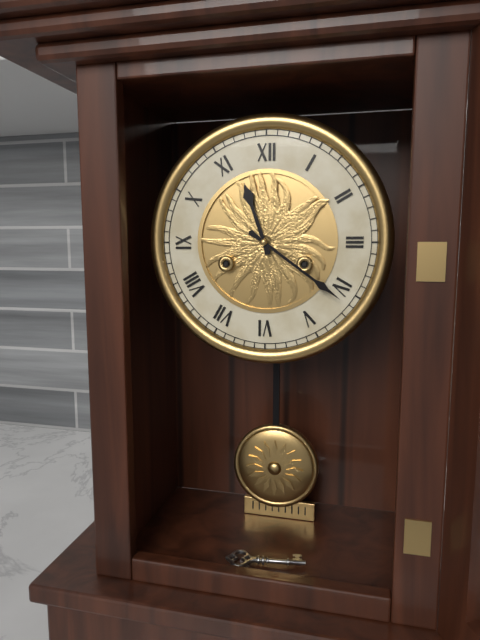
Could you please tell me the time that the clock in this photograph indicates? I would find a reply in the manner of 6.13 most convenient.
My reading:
11.21
